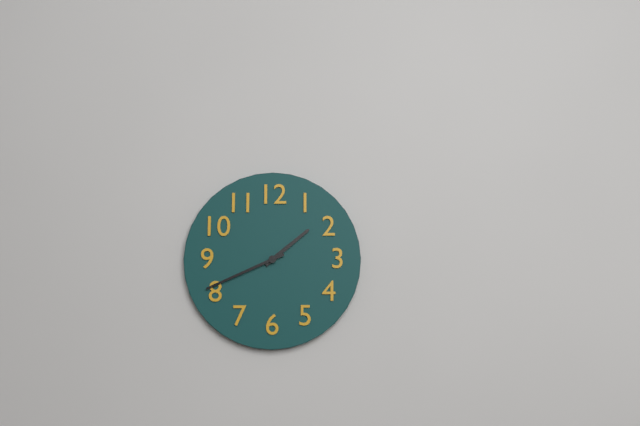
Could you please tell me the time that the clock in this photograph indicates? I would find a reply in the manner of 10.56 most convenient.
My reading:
1.41
